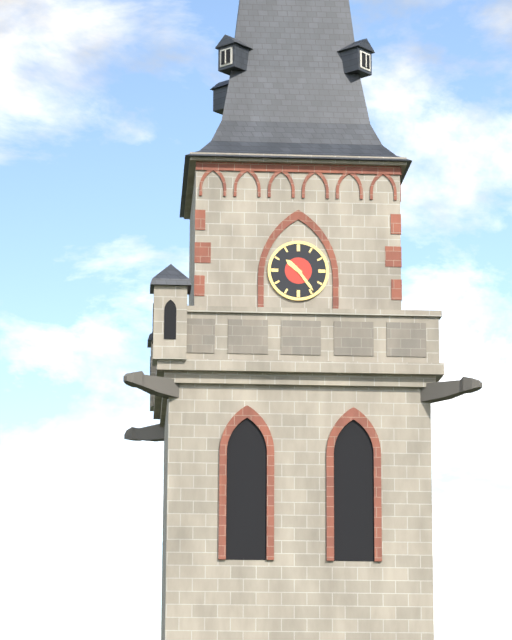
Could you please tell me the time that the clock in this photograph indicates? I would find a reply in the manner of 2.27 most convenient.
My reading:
10.24
